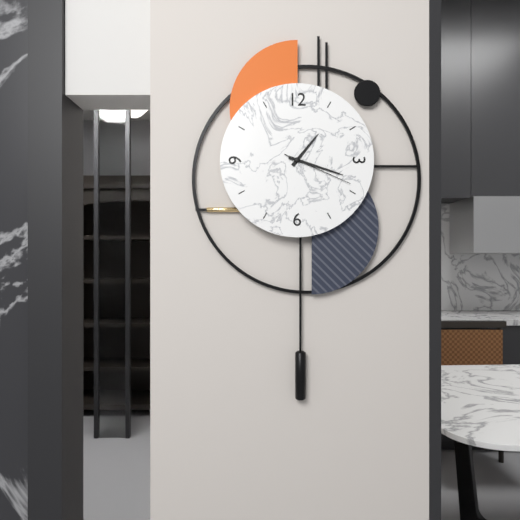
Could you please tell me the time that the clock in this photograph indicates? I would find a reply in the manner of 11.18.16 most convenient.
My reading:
1.18.19
